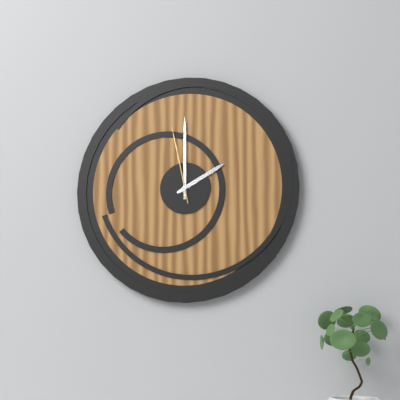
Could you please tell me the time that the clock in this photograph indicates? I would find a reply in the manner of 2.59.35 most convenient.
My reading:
2.00.58
